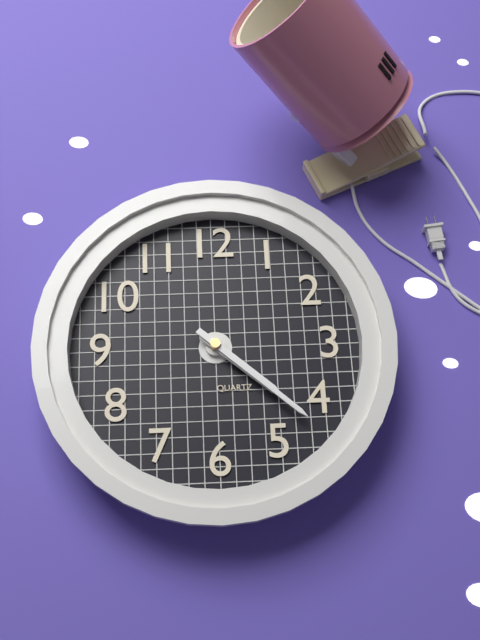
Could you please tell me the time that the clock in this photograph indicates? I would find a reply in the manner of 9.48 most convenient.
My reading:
4.22
